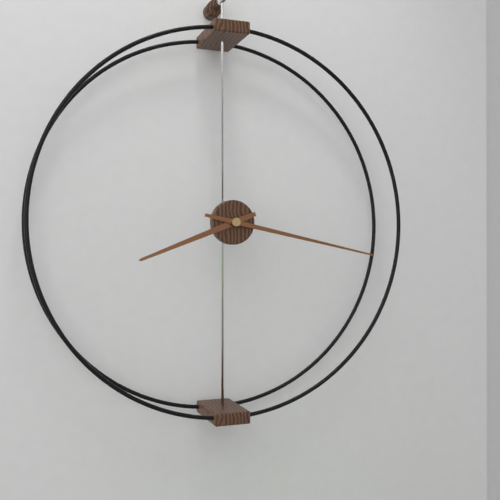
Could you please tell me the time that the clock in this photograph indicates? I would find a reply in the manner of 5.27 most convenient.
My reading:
8.17
